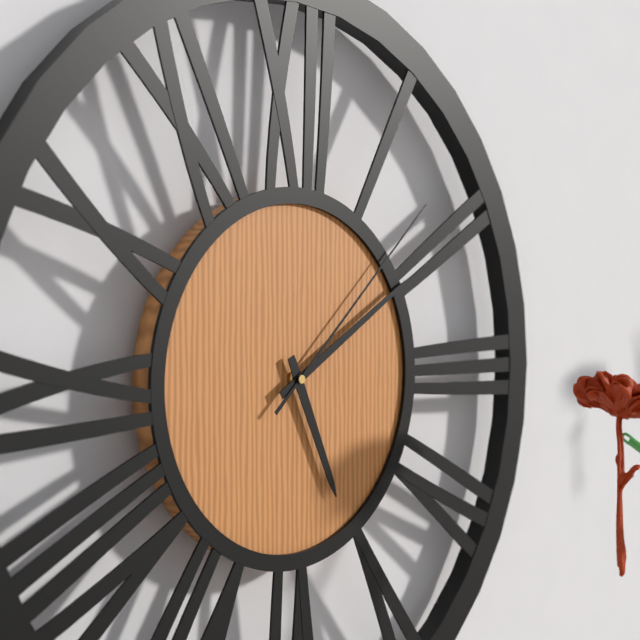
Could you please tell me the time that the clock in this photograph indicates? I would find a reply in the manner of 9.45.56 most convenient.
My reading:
5.10.08
